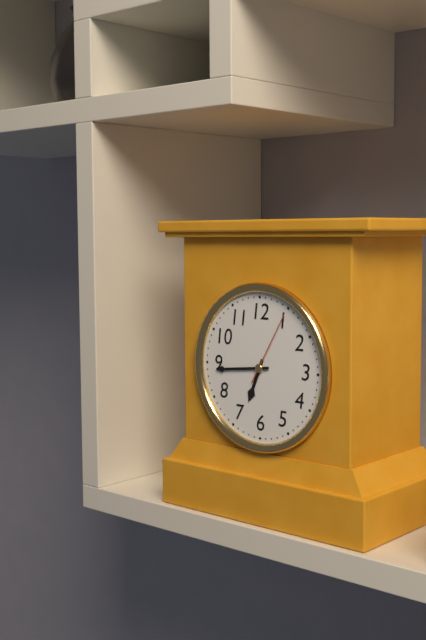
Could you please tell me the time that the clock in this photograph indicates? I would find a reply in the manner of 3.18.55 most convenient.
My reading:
6.44.05
